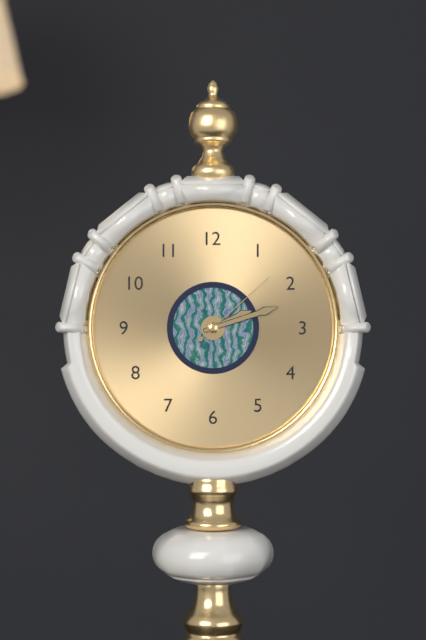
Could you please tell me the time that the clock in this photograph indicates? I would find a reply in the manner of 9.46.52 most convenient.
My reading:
2.12.08
